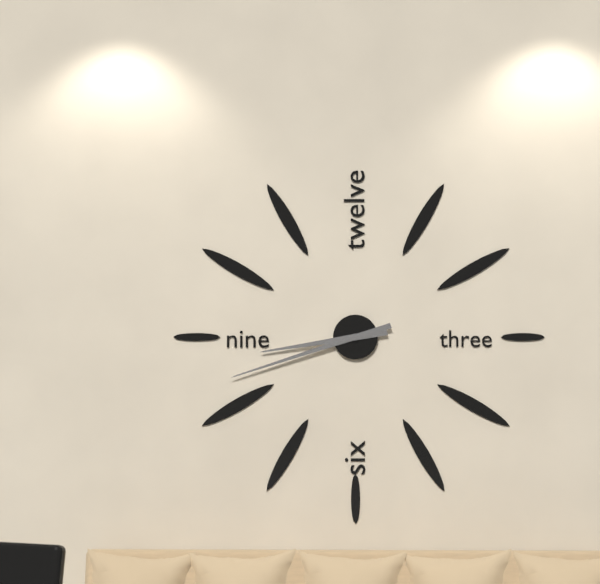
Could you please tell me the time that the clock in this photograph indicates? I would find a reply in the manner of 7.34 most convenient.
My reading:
8.42
